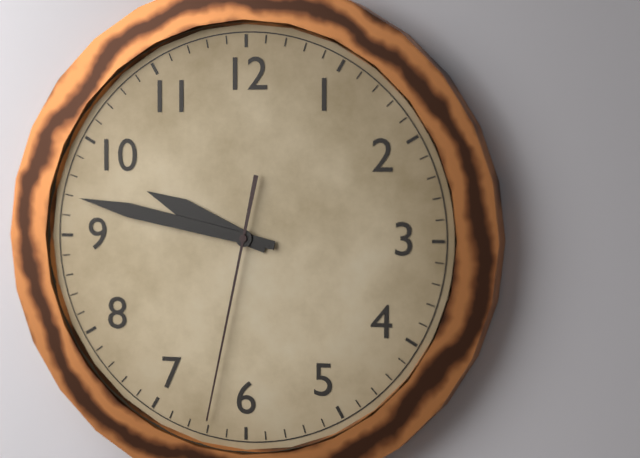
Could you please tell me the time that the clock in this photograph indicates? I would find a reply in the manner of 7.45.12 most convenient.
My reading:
9.47.32
